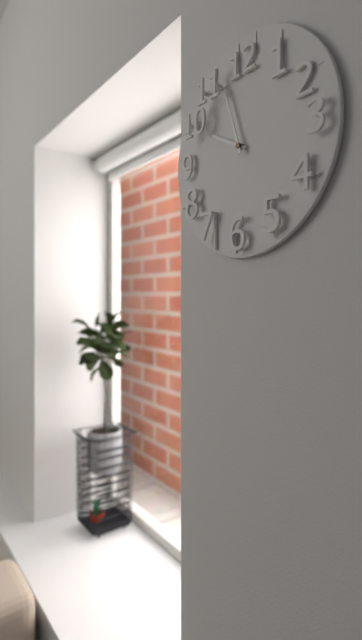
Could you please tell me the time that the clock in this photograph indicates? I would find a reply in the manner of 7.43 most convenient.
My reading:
9.57
